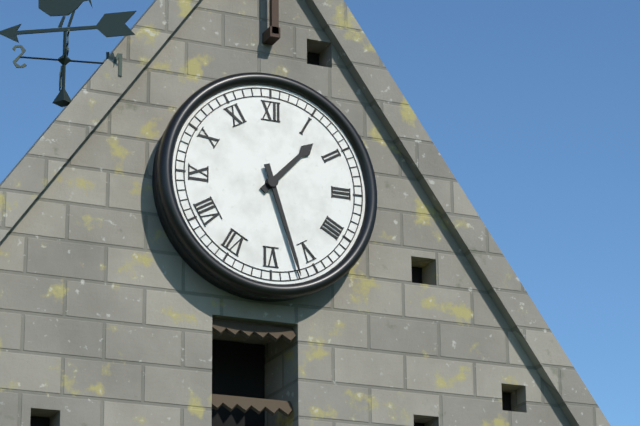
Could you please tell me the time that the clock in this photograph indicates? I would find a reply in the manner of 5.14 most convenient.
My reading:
1.27
